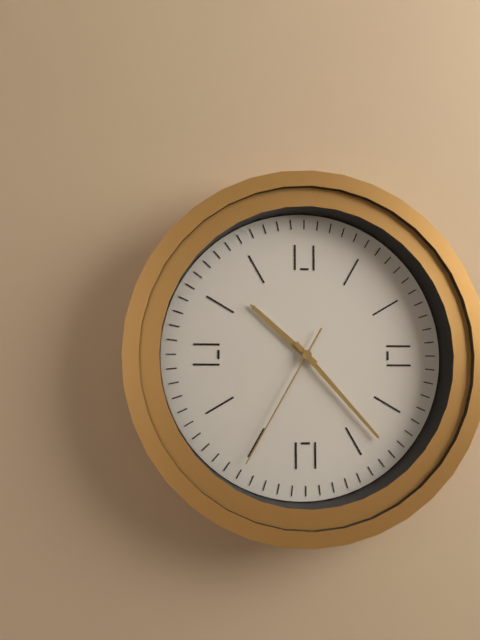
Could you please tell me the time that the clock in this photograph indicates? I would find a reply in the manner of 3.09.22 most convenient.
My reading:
10.23.35
